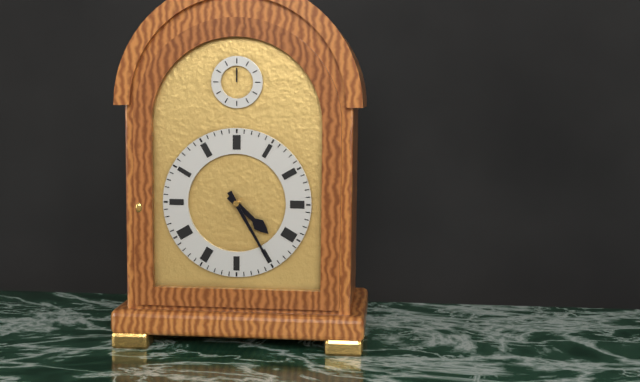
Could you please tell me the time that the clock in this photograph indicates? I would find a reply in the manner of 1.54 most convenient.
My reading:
4.25
